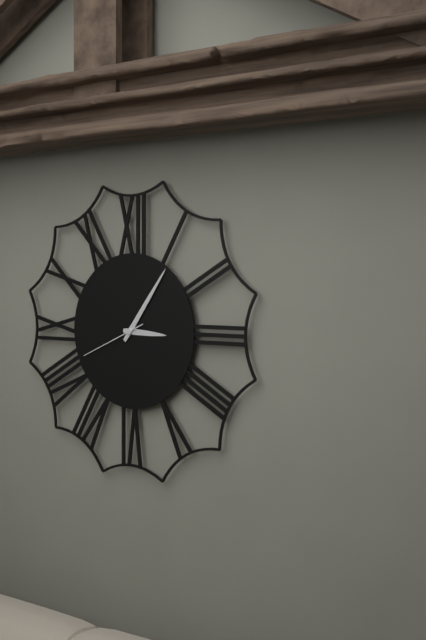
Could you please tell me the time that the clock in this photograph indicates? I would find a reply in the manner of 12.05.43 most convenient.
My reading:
3.06.41
